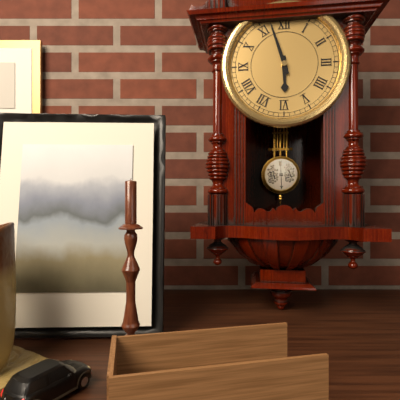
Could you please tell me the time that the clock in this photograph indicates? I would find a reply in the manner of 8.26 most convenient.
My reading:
5.57
